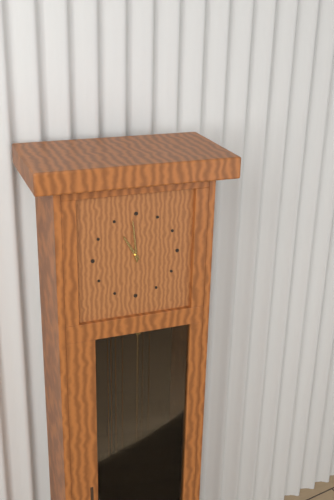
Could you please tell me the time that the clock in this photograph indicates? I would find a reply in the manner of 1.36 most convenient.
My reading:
10.59
